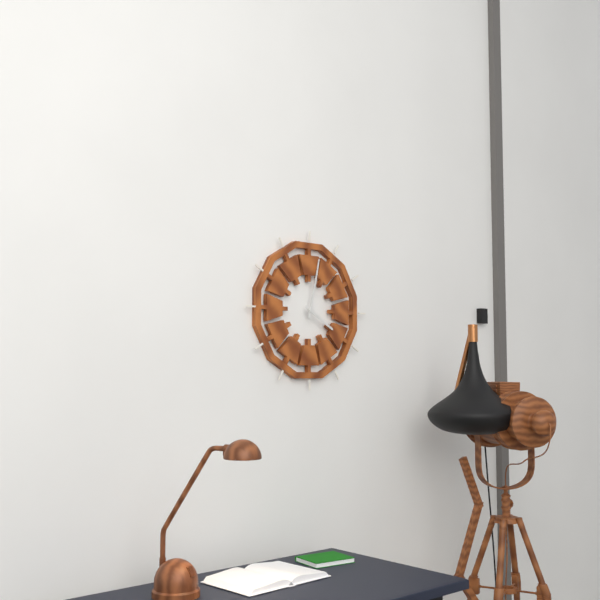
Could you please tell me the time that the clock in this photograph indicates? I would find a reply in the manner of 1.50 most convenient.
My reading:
4.02
